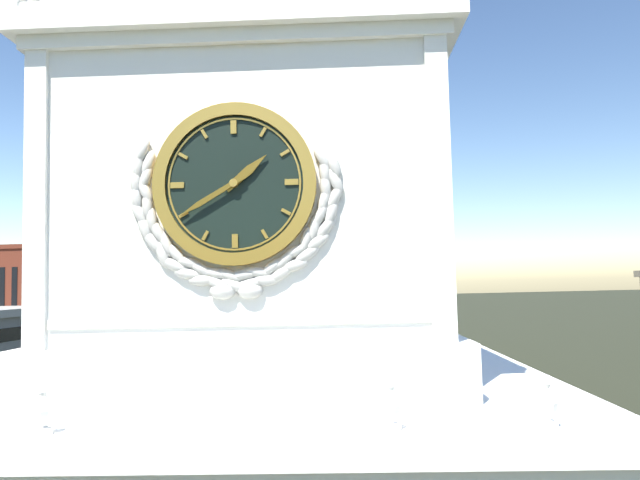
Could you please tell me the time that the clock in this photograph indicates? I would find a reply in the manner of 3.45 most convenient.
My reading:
1.40
